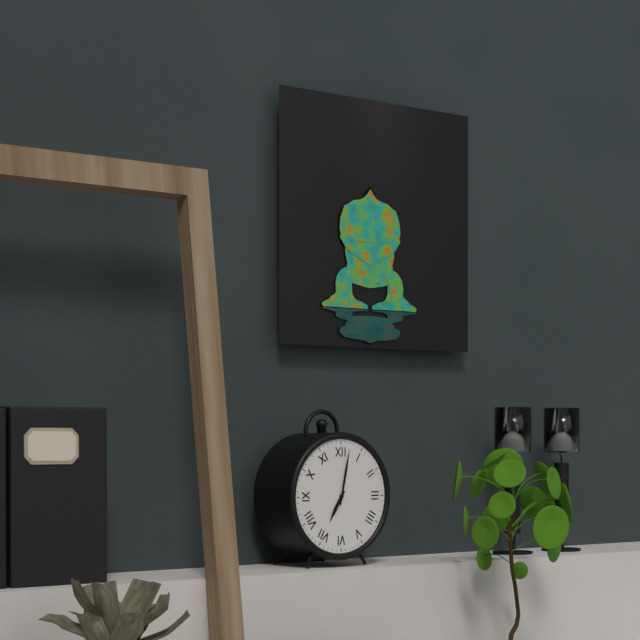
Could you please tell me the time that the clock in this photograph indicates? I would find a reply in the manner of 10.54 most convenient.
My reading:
7.02
